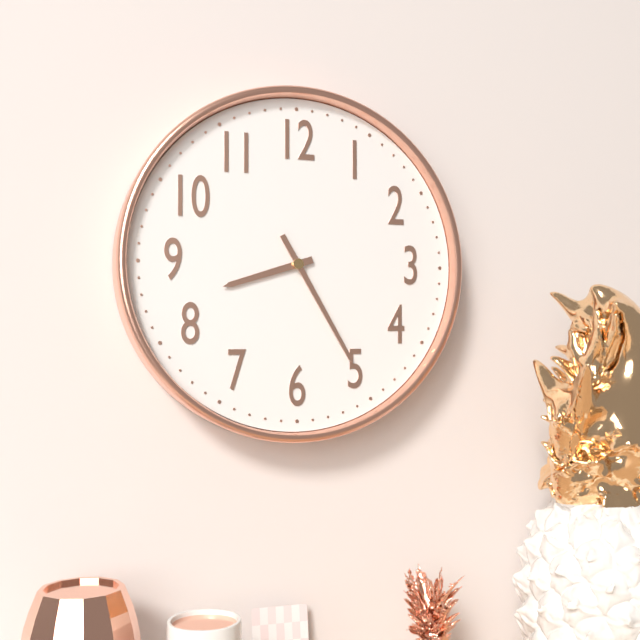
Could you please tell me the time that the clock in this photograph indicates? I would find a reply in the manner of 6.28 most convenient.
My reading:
8.25
